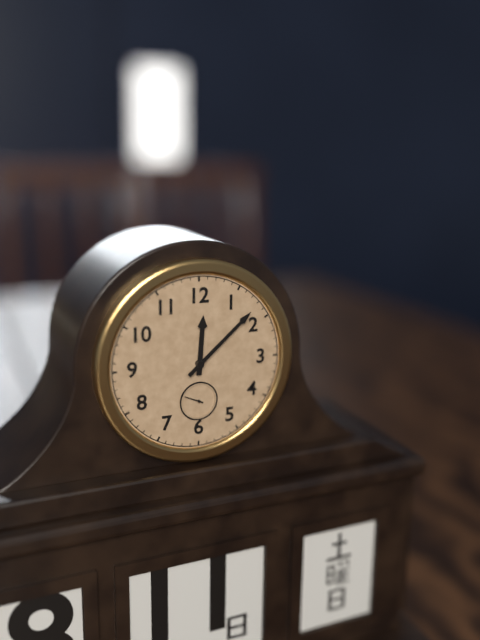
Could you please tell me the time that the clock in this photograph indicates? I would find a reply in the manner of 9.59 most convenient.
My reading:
12.08
